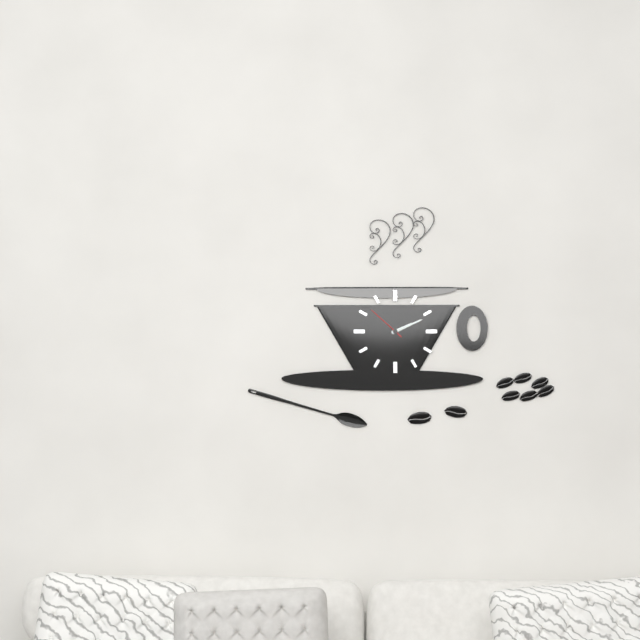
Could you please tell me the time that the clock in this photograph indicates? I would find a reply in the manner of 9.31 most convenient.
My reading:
2.11
